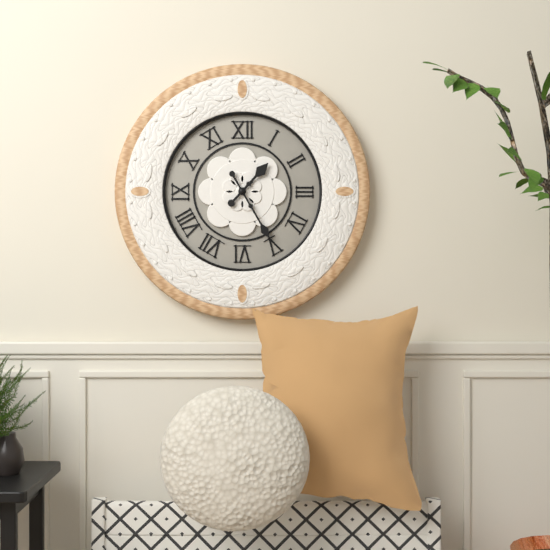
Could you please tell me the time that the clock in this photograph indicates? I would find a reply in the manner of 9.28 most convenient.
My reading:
1.25
